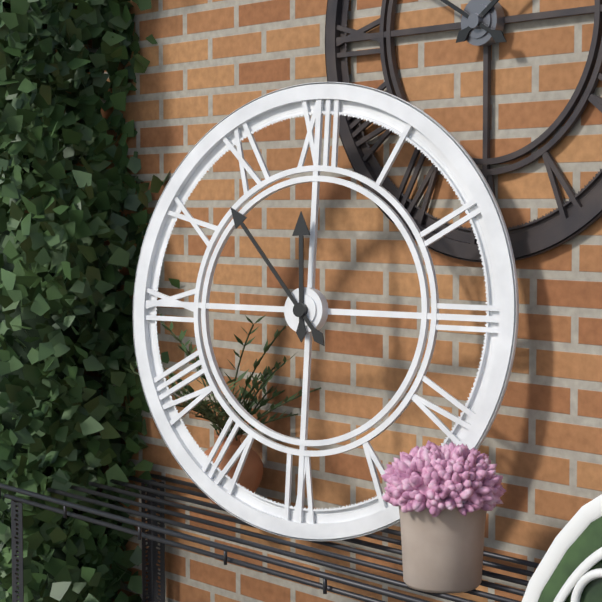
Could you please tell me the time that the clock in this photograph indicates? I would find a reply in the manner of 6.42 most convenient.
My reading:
11.53
